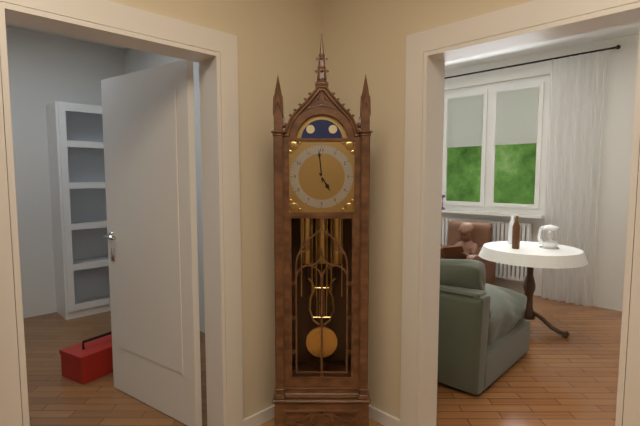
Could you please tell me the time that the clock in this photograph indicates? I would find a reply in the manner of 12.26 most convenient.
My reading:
4.59
